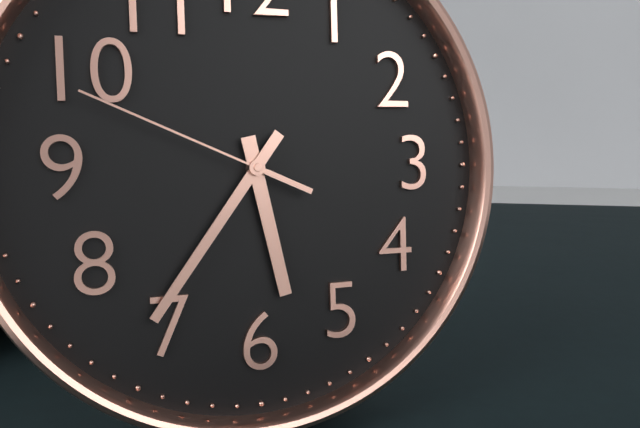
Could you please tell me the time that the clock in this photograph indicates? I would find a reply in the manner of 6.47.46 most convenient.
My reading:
5.36.49
